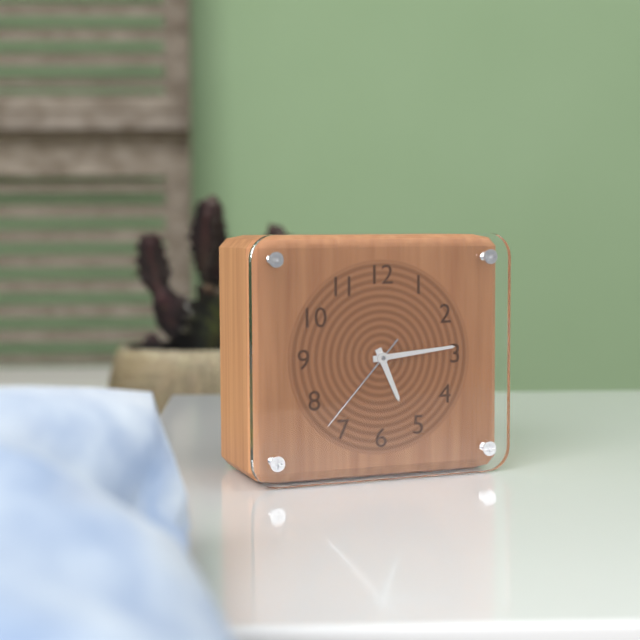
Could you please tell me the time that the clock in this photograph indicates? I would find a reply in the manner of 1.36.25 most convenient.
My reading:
5.14.37
